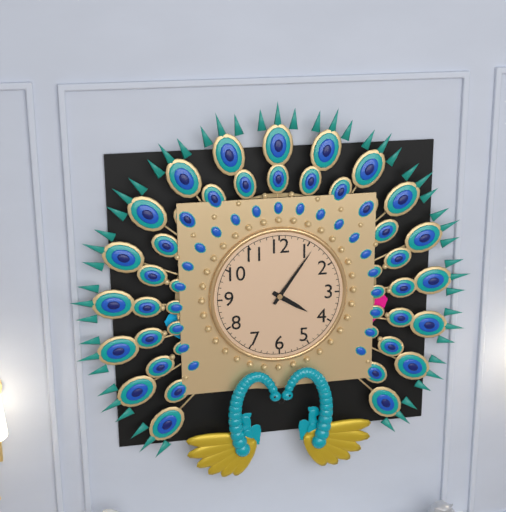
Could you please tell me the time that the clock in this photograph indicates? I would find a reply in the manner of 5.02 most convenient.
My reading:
4.06
